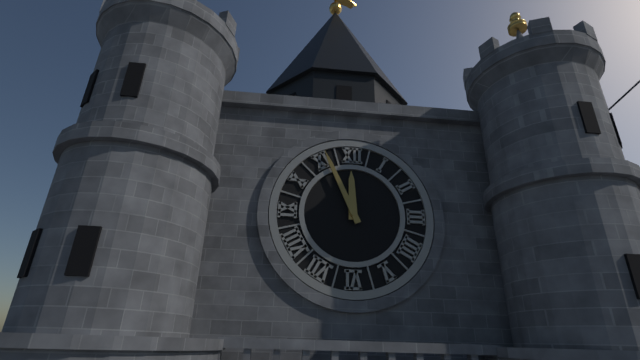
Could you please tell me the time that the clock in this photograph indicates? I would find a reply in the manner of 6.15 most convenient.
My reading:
11.56
